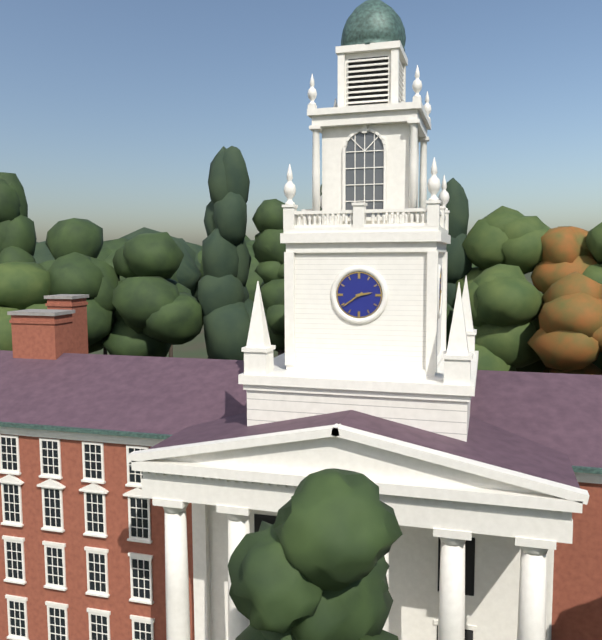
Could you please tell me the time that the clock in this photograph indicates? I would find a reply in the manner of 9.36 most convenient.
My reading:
2.39
